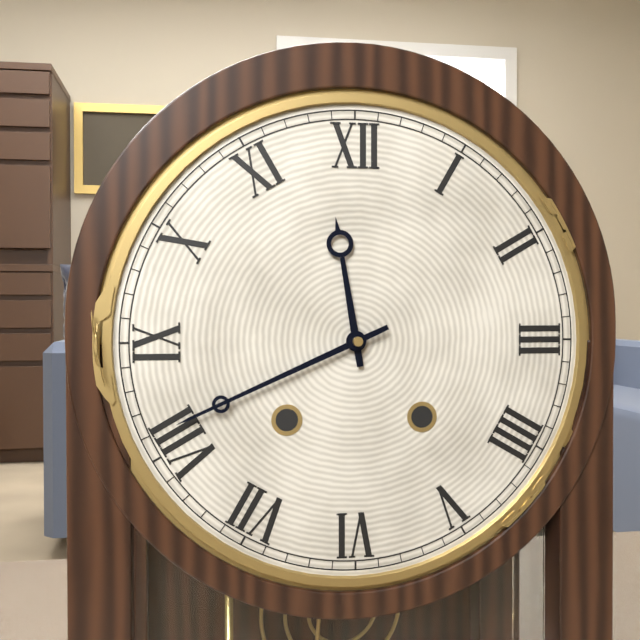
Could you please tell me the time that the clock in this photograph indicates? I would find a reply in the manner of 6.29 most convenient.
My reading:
11.41
